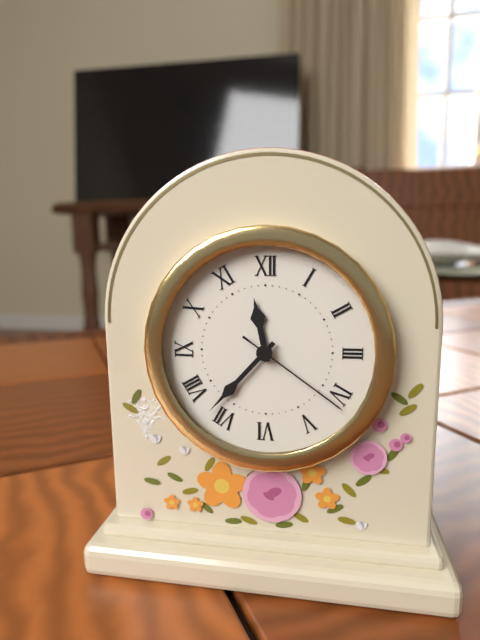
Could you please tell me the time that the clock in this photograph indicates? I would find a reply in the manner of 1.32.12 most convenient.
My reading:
11.37.21
